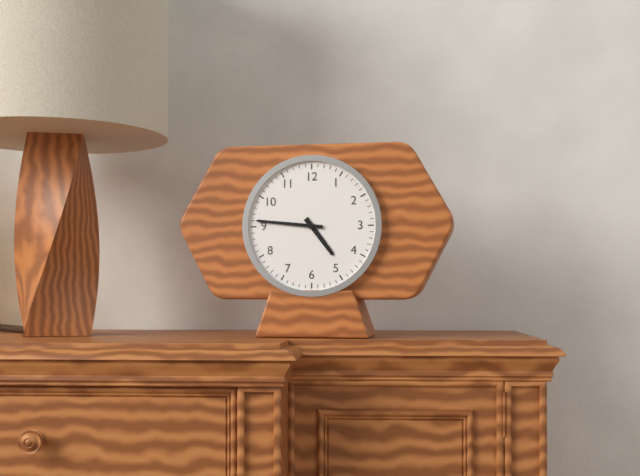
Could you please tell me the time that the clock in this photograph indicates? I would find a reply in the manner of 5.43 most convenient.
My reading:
4.46
